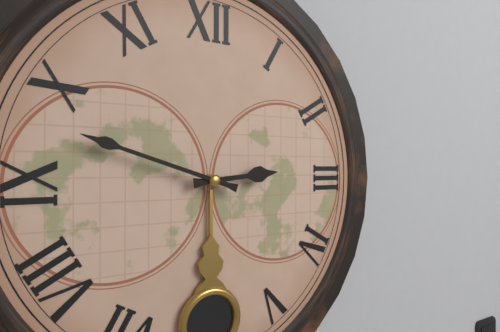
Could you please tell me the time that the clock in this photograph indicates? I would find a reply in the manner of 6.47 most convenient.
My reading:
2.48
